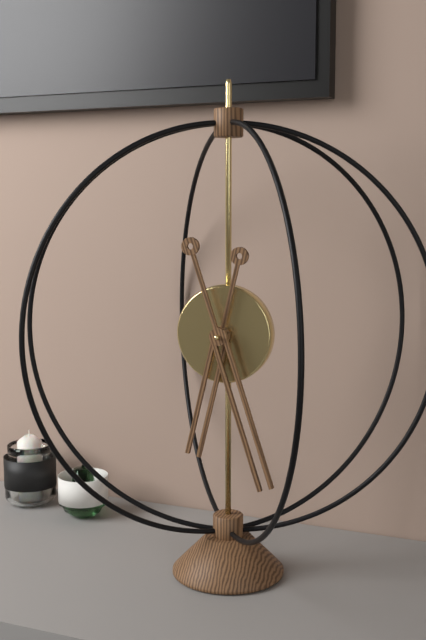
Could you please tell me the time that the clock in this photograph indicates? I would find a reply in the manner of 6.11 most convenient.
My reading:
6.27
